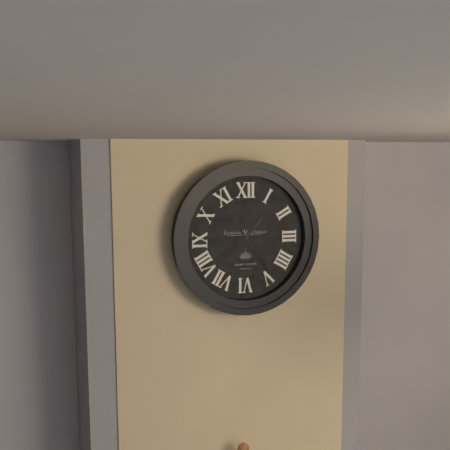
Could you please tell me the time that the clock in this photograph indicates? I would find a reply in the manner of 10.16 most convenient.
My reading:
1.24
